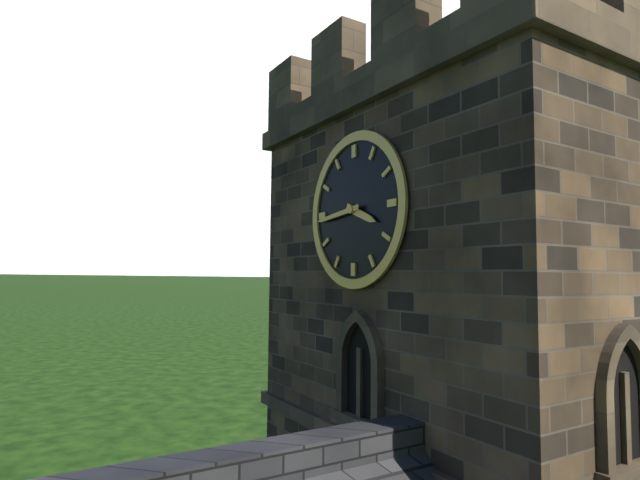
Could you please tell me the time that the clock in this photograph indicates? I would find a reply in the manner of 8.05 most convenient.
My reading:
3.44
